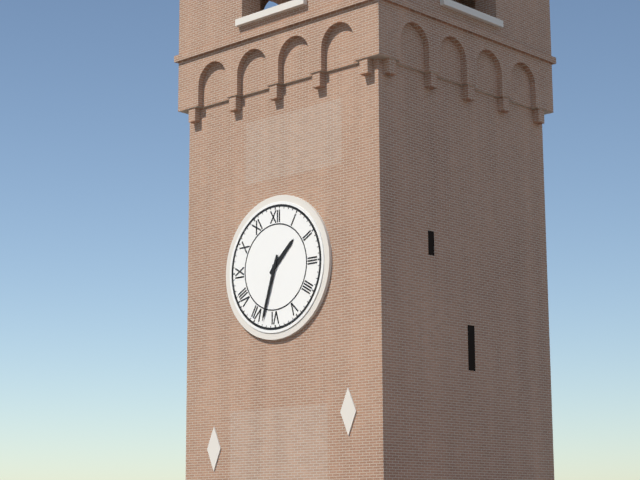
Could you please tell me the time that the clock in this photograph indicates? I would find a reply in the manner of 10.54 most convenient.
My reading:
1.33
